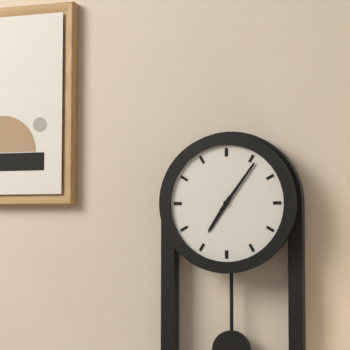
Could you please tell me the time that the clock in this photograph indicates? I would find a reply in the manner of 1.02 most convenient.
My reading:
7.06
